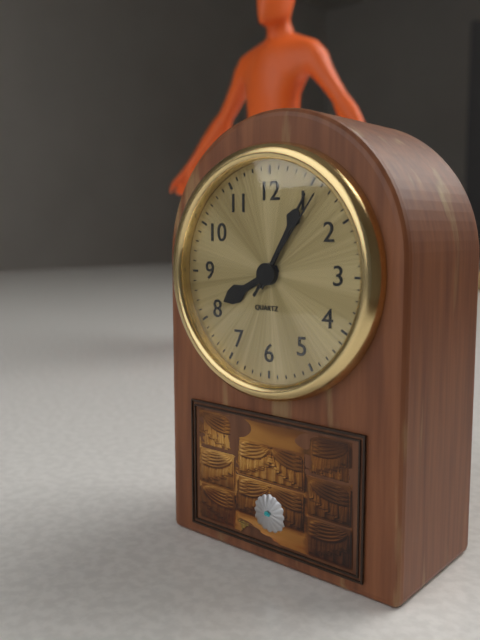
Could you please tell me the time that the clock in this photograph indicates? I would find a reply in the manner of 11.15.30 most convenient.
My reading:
8.05.06
